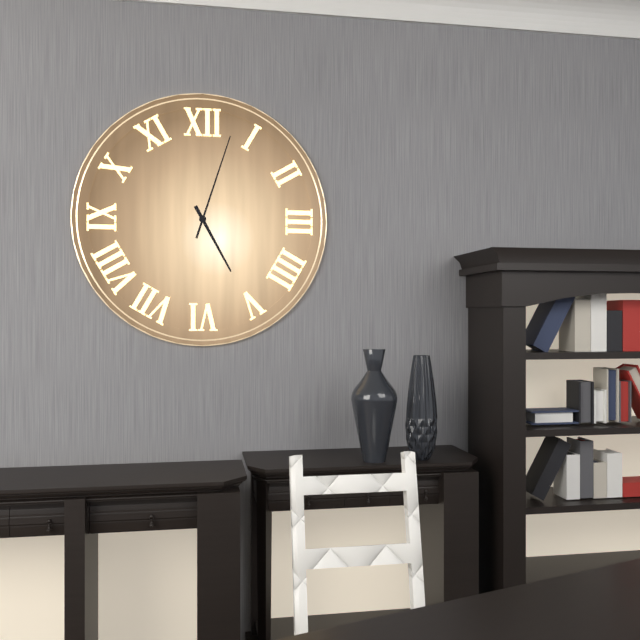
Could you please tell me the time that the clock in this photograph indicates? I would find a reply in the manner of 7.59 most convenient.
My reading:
5.03
